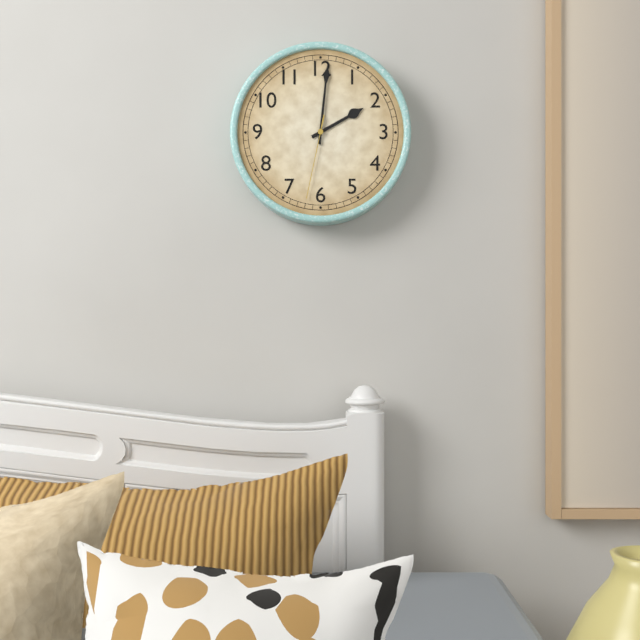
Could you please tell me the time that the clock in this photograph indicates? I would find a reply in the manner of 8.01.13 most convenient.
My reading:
2.01.32
